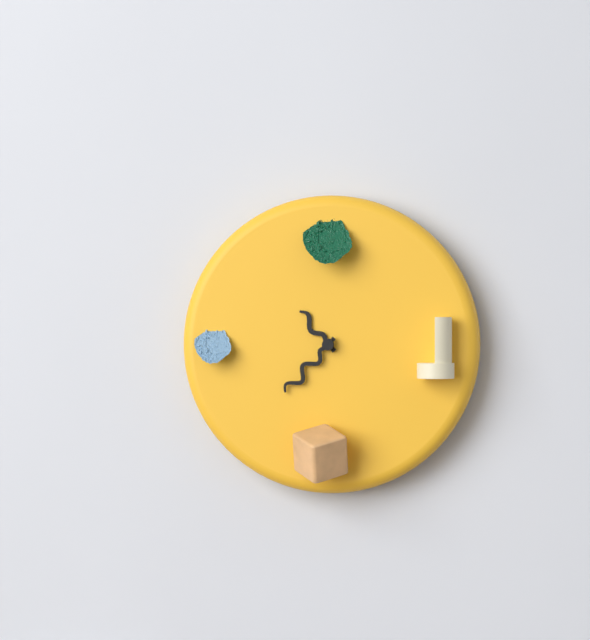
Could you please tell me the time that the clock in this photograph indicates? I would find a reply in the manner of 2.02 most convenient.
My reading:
10.37
